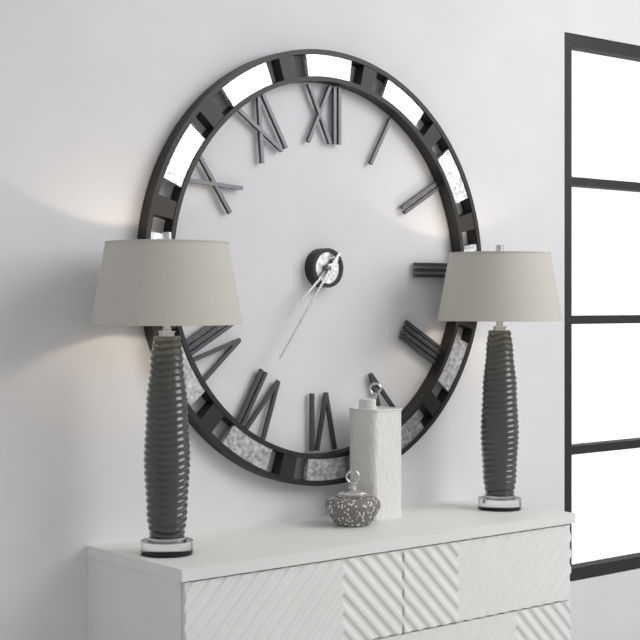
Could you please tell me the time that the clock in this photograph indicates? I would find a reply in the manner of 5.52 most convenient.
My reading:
7.36
